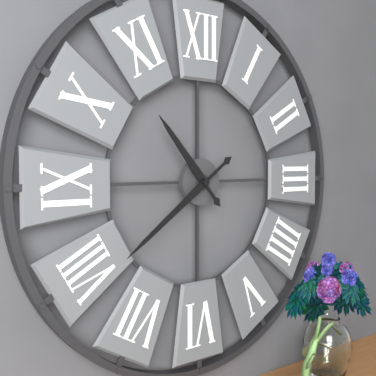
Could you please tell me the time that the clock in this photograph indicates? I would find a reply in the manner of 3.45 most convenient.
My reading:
10.39
